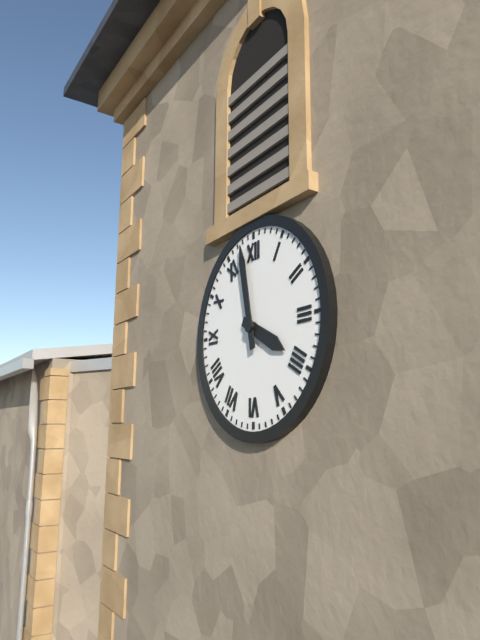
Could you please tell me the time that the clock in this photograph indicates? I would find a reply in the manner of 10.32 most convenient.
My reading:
3.58
